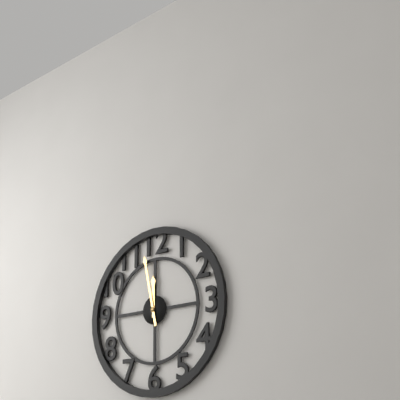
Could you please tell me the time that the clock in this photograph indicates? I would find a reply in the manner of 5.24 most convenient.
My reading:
11.58
